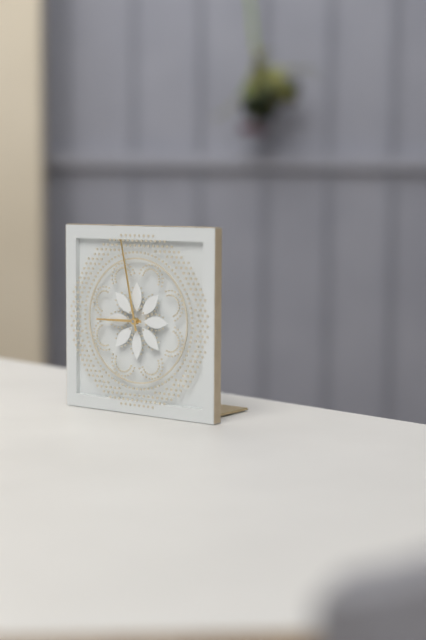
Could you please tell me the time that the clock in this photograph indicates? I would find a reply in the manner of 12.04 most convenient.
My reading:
8.58
